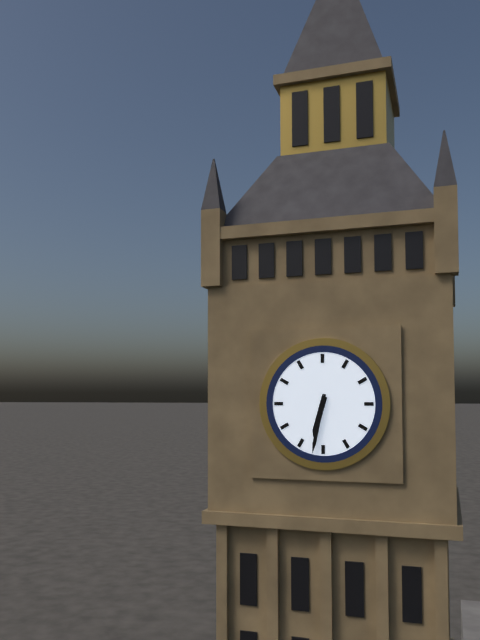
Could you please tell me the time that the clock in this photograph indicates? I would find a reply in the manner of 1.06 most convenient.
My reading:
6.32
